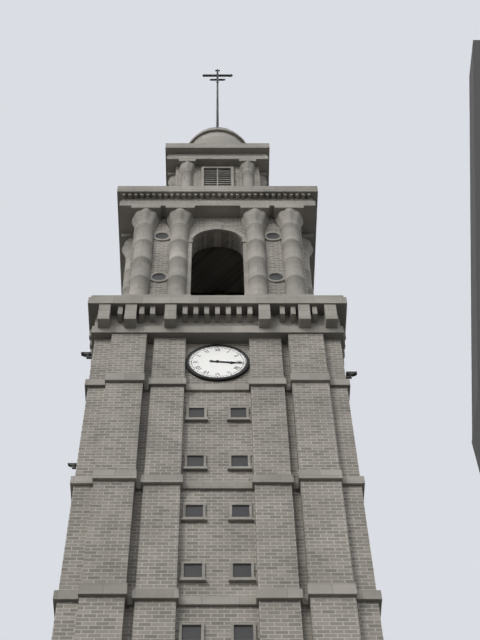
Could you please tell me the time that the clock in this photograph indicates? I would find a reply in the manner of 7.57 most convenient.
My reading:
3.16
